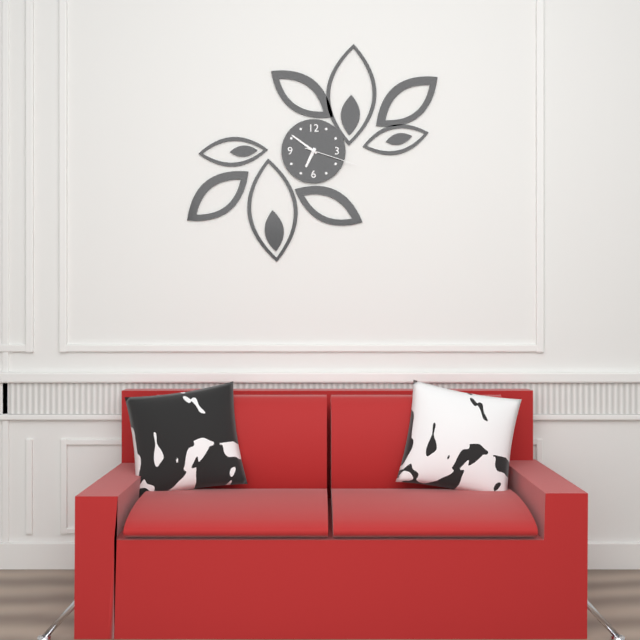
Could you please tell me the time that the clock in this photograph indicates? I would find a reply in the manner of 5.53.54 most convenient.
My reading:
6.51.18
